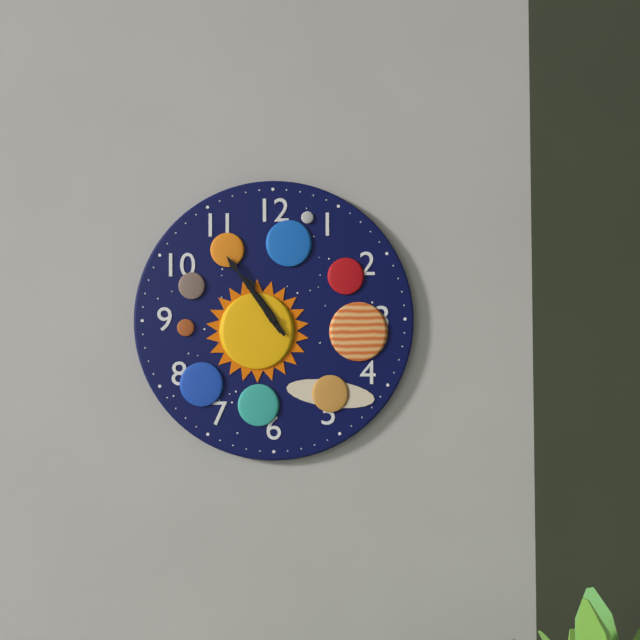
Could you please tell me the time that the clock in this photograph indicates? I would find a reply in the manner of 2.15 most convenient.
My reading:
10.54
